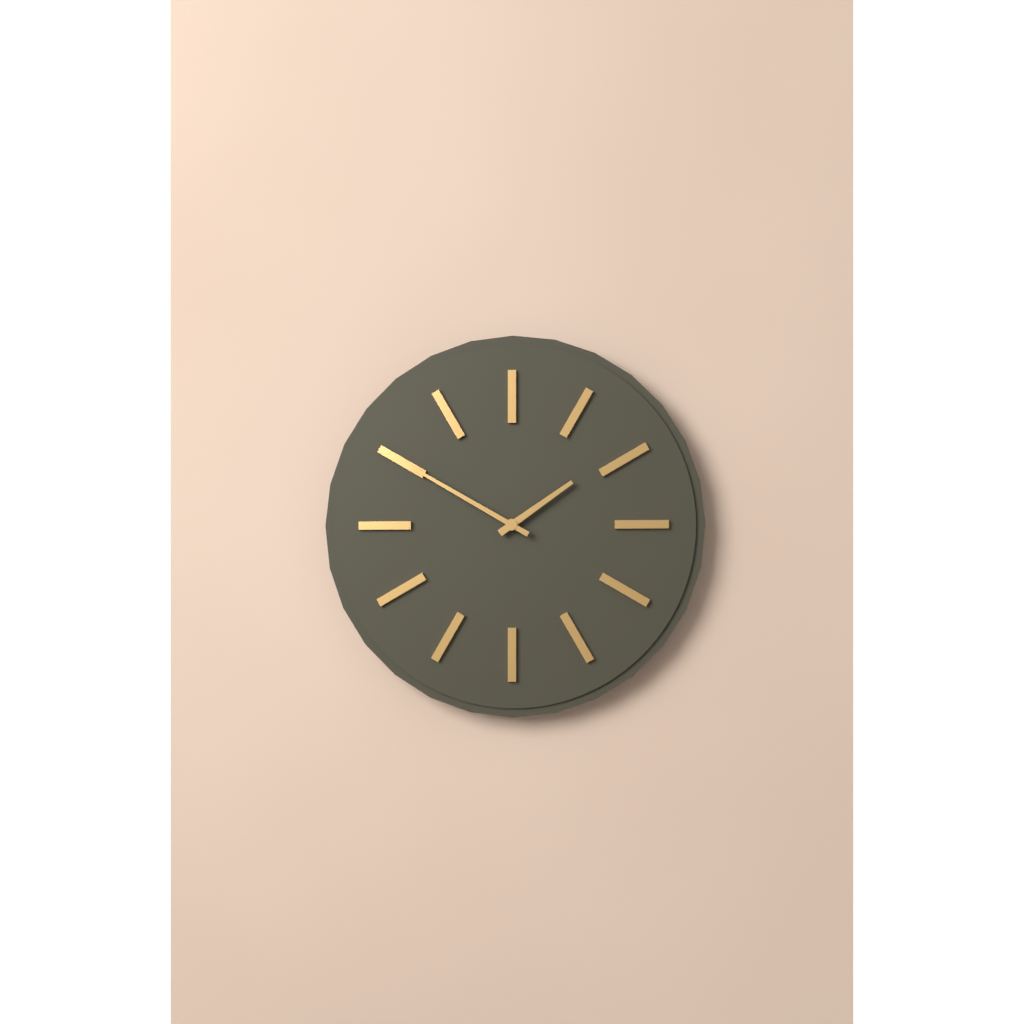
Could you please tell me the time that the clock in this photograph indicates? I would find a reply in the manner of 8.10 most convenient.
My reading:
1.50
